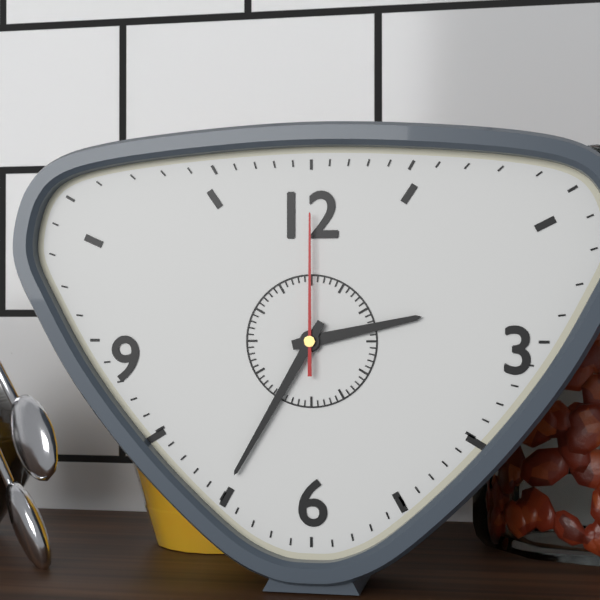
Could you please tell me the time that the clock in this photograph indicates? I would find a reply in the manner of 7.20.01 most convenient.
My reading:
2.35.00
